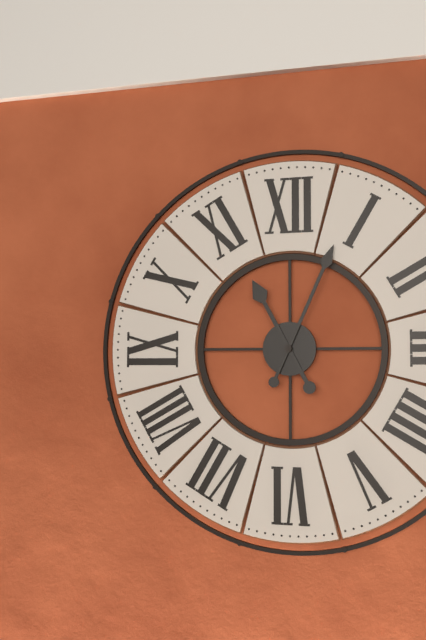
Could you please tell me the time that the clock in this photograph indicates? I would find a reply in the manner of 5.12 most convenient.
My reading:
11.04
